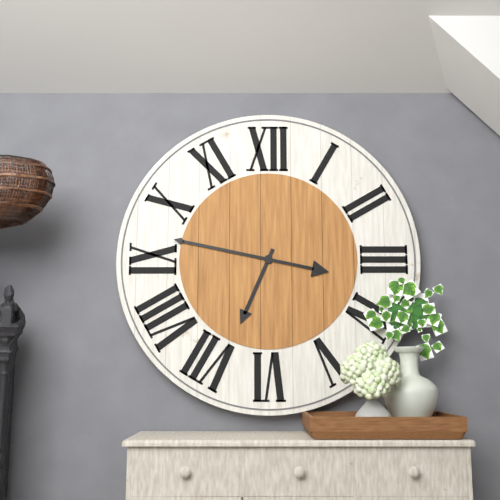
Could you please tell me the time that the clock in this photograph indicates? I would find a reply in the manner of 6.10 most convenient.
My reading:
6.47
